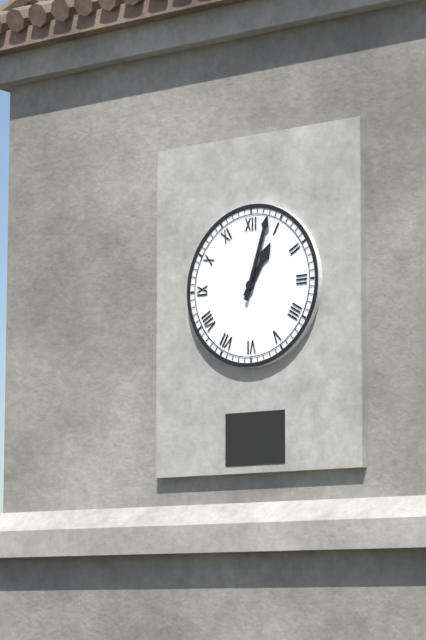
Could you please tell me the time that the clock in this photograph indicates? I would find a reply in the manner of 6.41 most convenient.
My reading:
1.03
